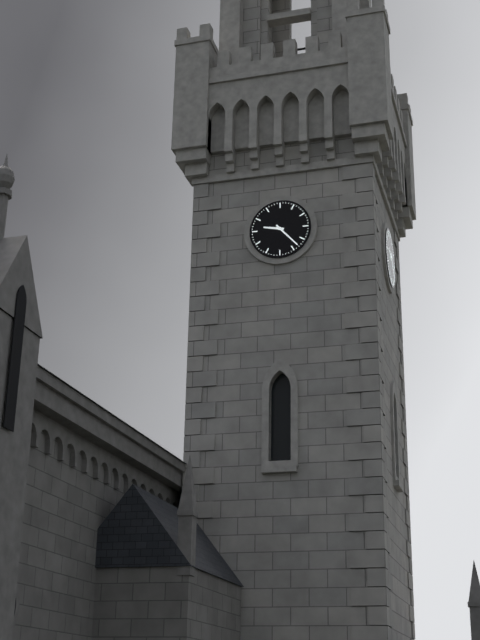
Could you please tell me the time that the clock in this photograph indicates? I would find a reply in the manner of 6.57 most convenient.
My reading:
9.23
